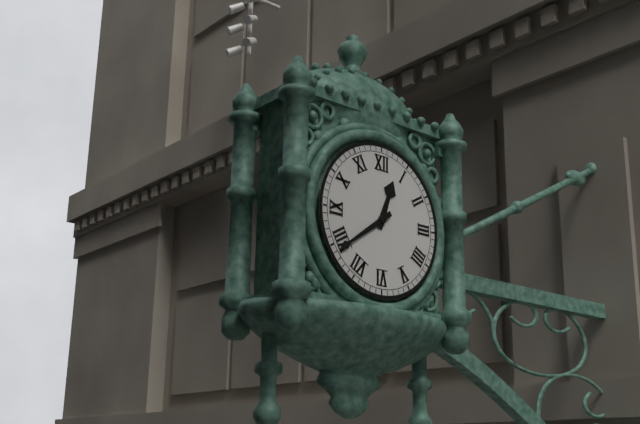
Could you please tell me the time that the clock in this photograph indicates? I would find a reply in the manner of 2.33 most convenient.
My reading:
12.39
